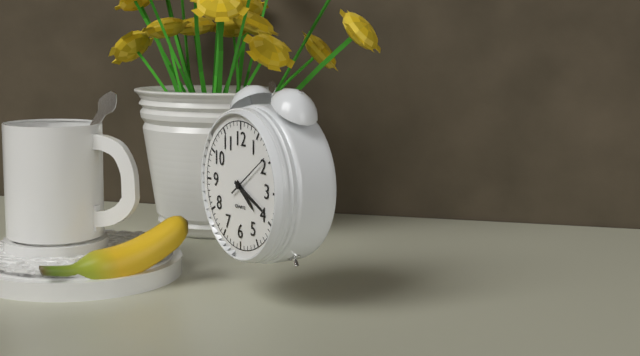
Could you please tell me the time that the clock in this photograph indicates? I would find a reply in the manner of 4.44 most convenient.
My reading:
4.19
